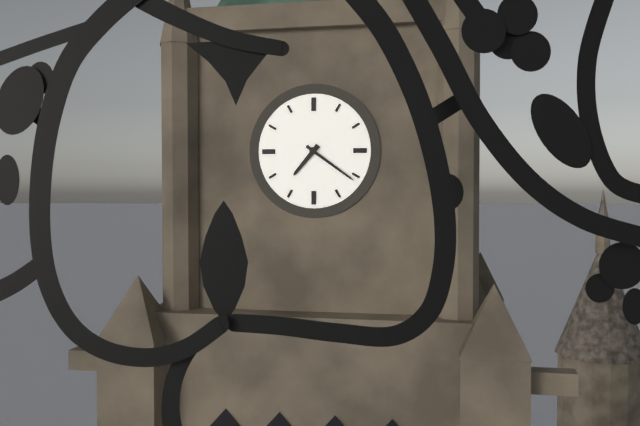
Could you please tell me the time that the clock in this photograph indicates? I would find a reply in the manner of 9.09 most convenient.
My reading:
7.21
